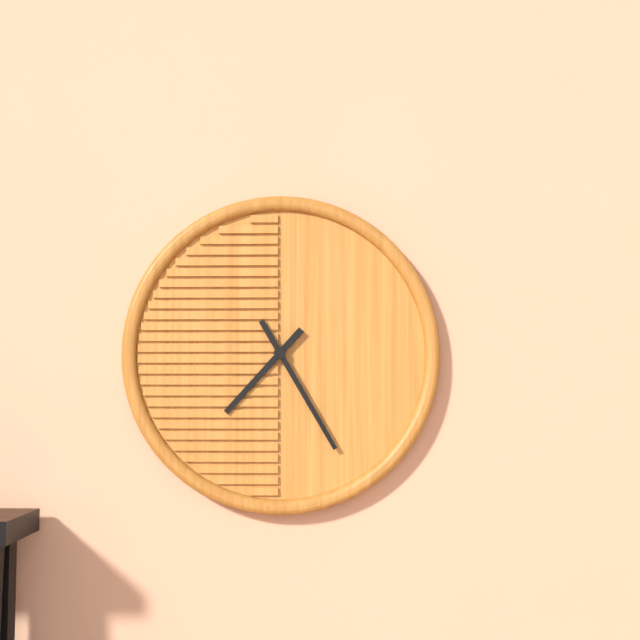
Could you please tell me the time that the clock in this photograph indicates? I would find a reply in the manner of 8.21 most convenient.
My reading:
7.25
